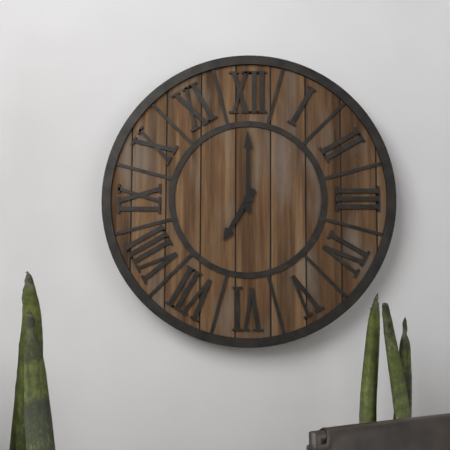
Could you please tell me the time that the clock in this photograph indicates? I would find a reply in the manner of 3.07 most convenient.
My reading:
7.00
